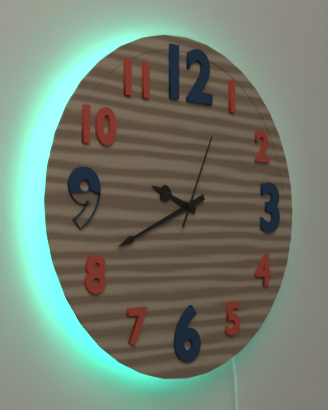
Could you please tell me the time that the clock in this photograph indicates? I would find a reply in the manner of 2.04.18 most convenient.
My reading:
9.41.04
